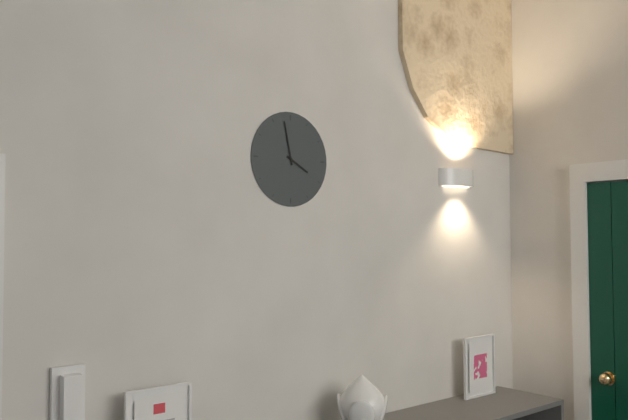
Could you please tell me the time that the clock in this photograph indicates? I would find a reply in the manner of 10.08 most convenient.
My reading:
3.58
